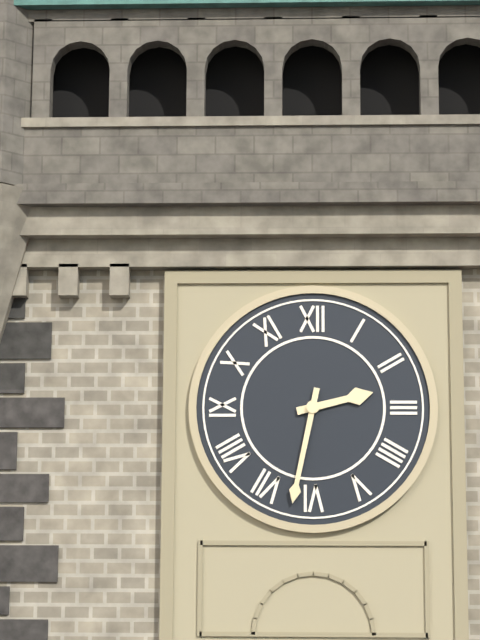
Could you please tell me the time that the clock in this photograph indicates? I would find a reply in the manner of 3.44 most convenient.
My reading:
2.32
